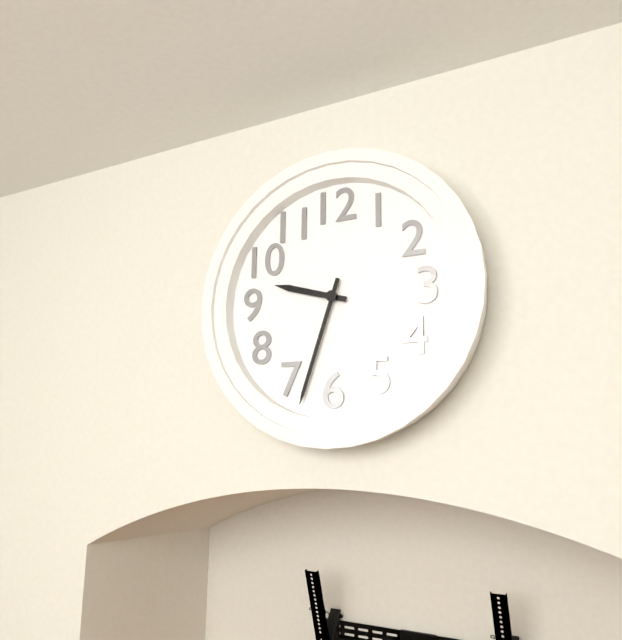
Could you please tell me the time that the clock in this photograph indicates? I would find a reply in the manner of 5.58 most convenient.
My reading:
9.33
